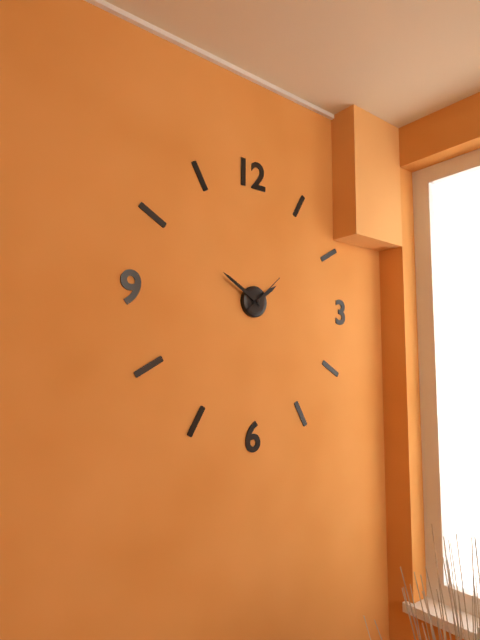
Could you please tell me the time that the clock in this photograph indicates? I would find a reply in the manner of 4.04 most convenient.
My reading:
1.50
